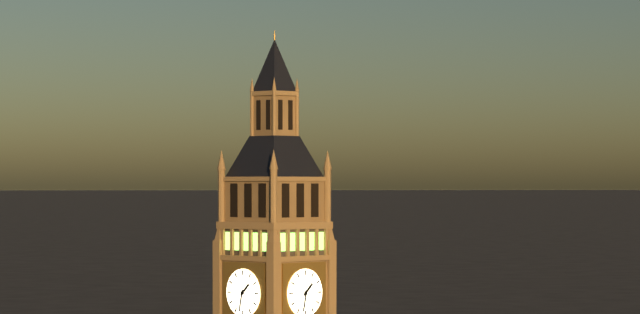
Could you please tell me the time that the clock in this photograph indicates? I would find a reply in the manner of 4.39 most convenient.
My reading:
1.32
